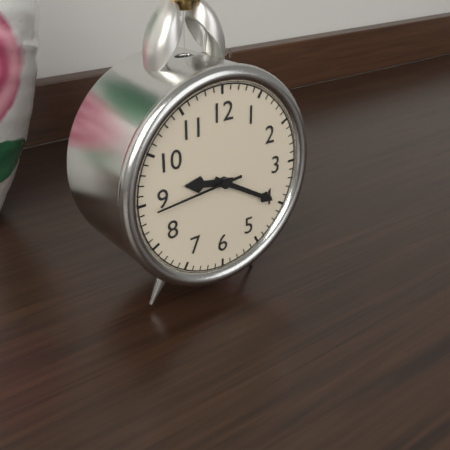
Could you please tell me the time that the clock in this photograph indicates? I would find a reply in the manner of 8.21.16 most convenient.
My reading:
9.20.44
